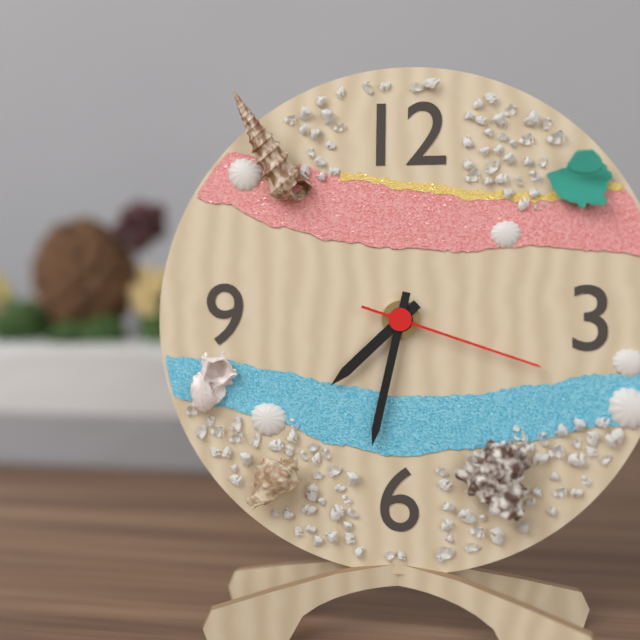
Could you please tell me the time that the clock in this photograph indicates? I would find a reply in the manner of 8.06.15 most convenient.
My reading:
7.32.18
